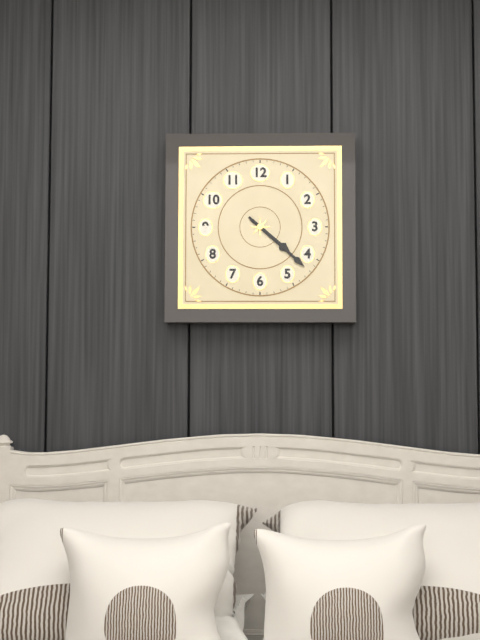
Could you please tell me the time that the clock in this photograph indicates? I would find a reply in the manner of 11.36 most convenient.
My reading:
4.22
